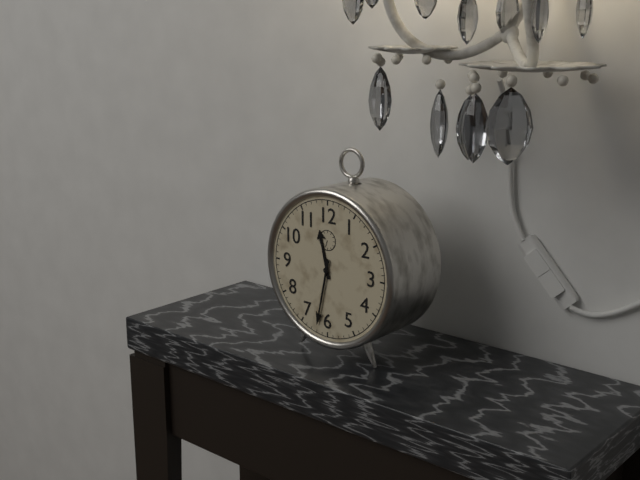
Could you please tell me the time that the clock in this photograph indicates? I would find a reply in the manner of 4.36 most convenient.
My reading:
11.32
